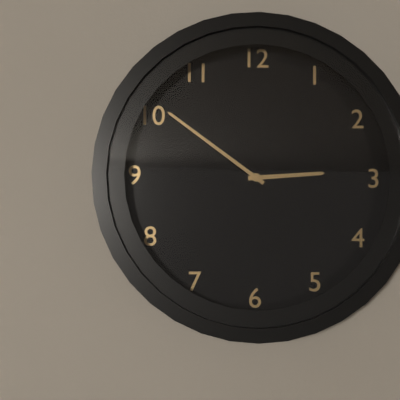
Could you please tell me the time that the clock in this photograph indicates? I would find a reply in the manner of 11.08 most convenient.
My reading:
2.51
